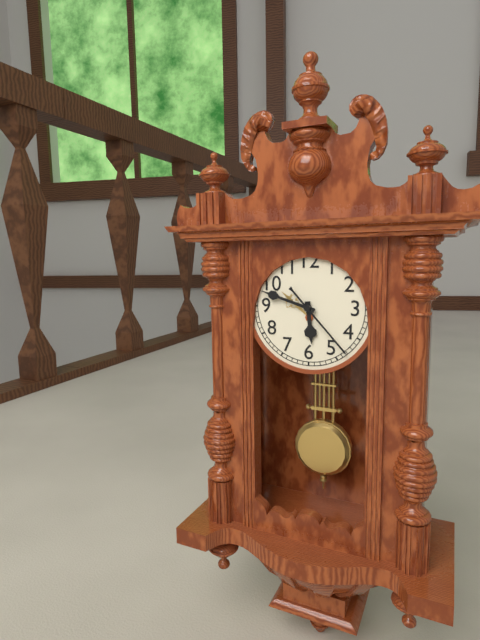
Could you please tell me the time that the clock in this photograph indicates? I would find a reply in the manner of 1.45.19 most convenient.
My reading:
5.48.23
